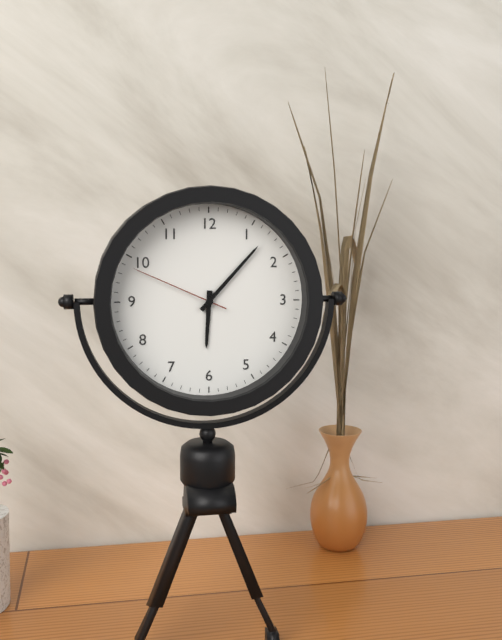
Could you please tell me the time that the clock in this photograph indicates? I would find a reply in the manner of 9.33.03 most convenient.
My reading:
6.07.49
